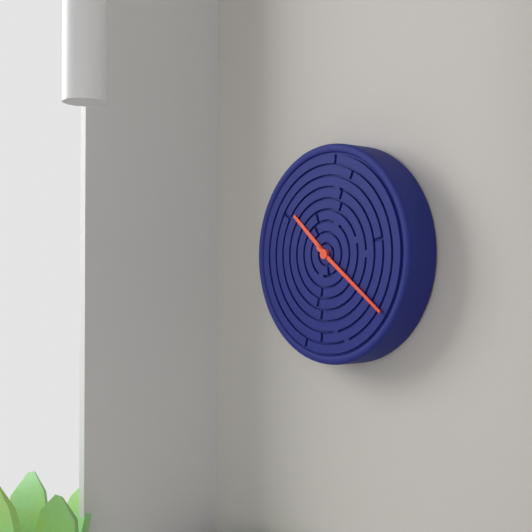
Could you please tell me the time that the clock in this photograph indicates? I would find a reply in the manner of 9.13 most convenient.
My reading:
10.21
